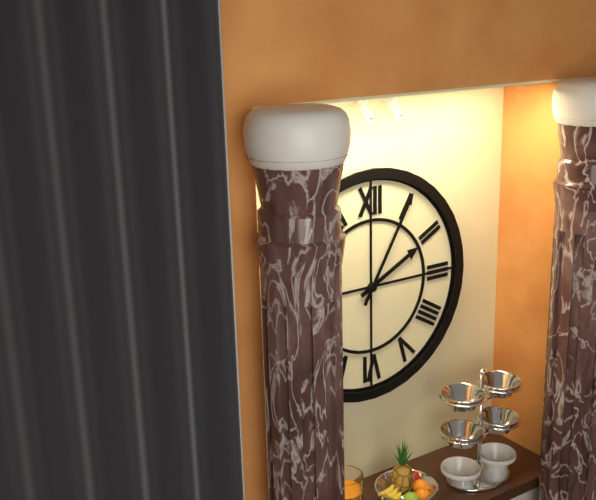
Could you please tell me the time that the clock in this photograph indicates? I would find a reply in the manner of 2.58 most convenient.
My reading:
2.05
